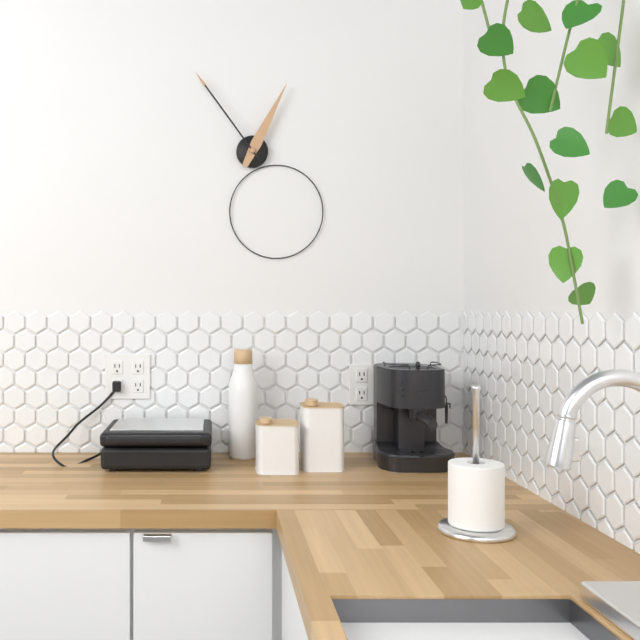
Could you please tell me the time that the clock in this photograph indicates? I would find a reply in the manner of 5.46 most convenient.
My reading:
12.54
